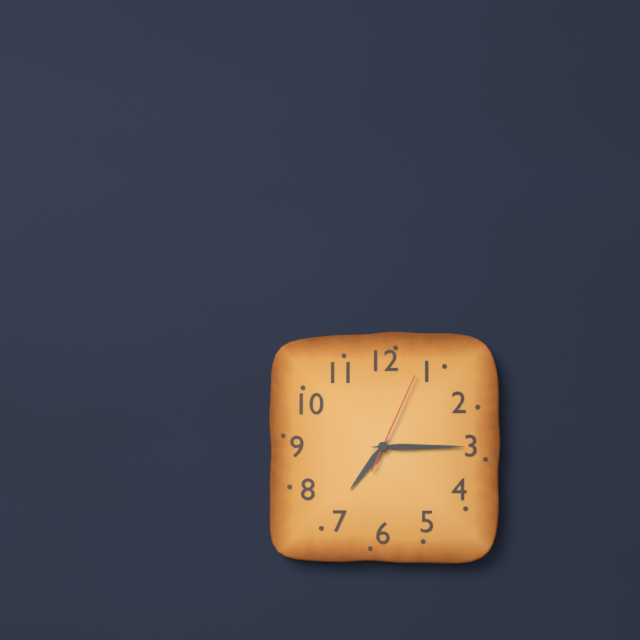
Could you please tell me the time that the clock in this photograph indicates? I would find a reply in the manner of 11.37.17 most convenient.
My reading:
7.15.04
